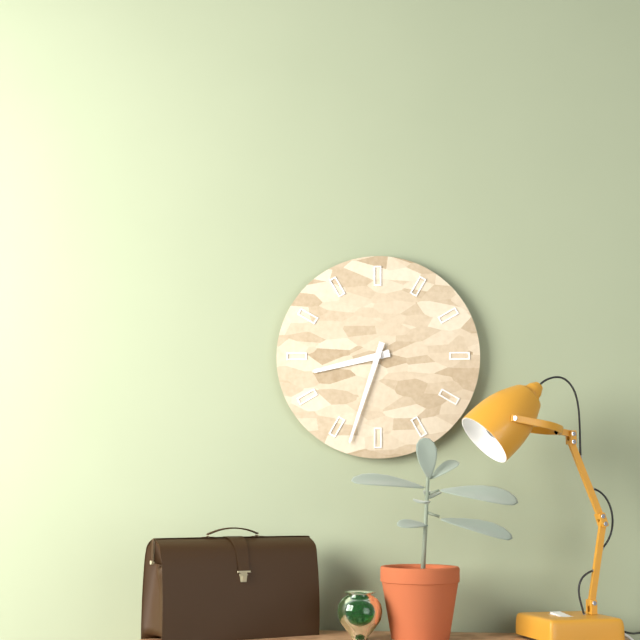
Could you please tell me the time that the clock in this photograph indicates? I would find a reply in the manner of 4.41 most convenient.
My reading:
8.33
